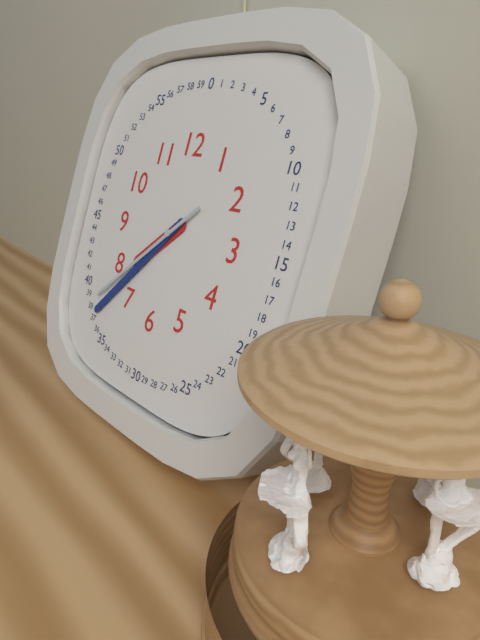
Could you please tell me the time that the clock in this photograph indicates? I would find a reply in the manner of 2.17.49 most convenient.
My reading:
7.37.38
